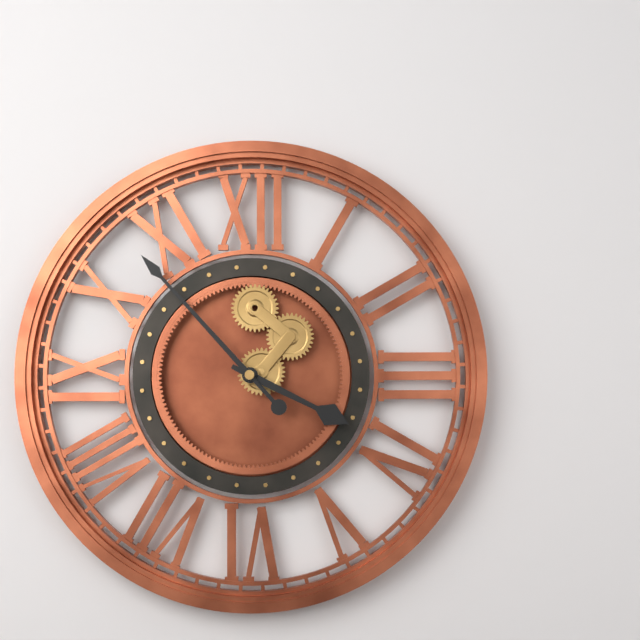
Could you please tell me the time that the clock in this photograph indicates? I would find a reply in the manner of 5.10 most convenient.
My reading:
3.53
